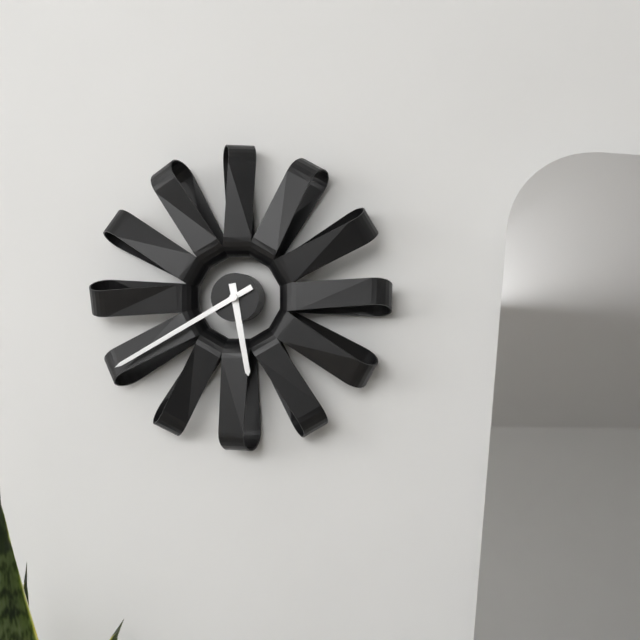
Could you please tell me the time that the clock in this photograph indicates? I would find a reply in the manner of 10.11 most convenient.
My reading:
5.40
